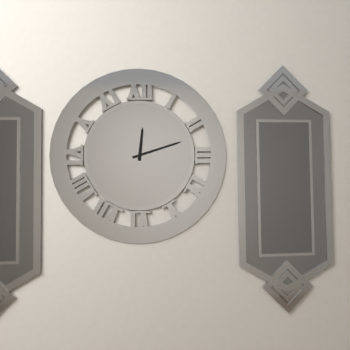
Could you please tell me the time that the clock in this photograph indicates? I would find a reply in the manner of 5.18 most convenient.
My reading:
12.12
